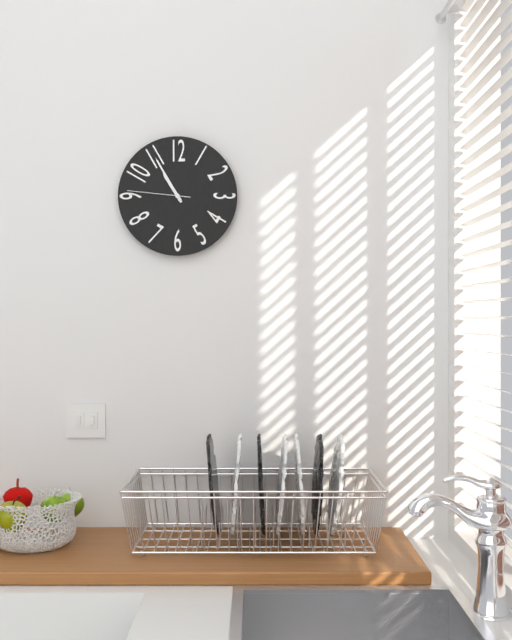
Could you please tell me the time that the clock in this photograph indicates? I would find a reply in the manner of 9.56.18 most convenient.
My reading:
10.55.46
